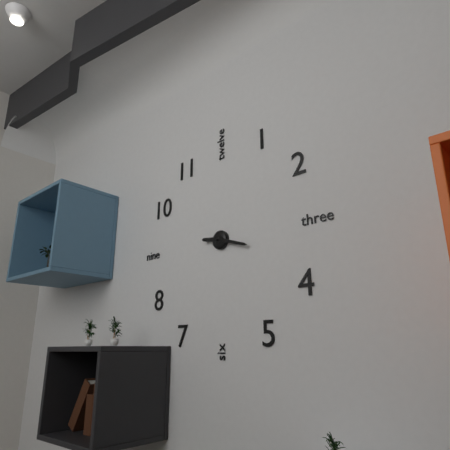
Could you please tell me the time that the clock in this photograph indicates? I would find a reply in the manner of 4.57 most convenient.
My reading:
9.18
